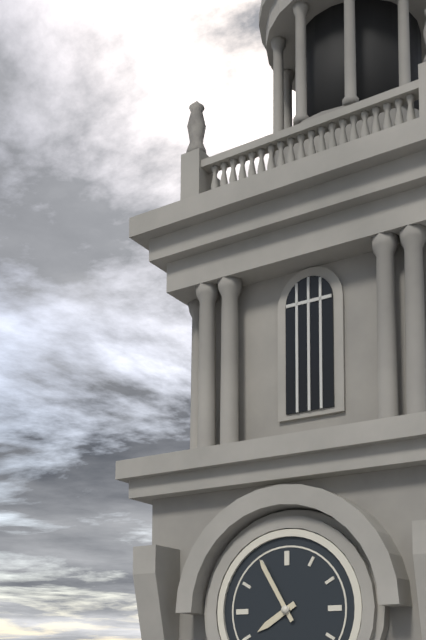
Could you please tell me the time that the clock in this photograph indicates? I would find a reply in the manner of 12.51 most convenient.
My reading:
7.55
